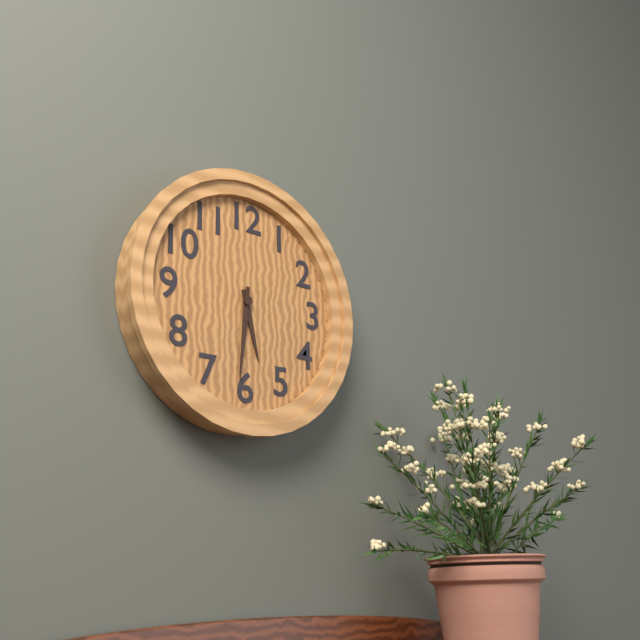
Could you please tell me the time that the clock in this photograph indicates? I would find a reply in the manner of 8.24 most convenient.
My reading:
5.31
